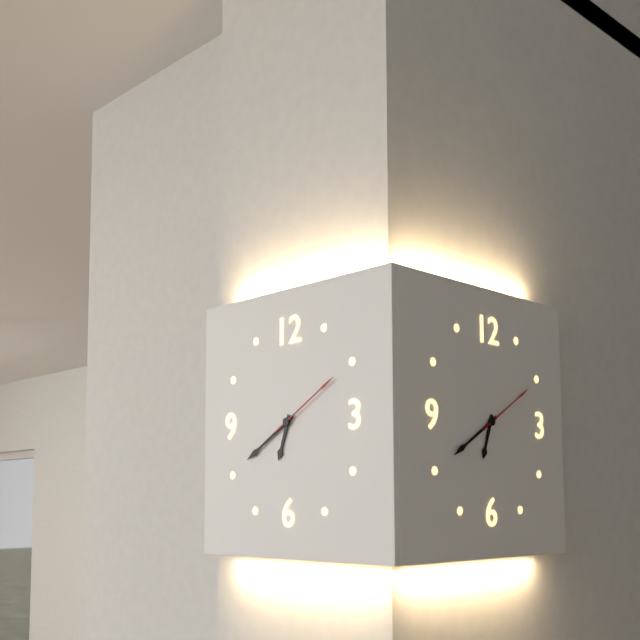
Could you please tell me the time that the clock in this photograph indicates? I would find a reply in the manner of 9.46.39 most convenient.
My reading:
6.40.10
